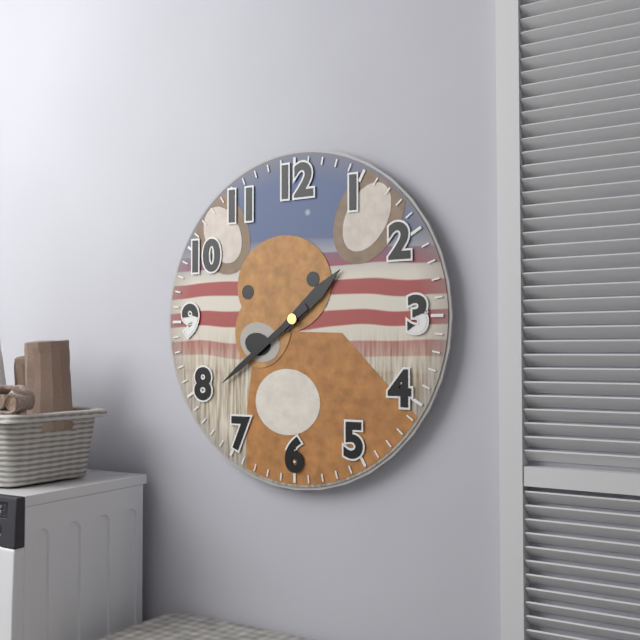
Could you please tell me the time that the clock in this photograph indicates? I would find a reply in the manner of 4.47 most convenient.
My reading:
1.39
